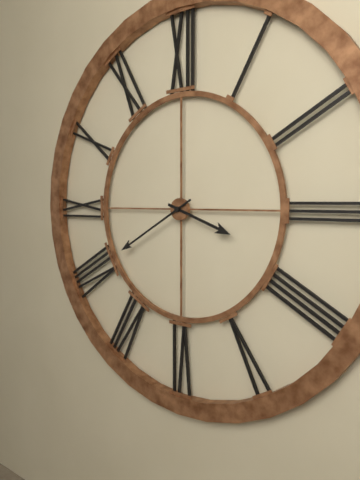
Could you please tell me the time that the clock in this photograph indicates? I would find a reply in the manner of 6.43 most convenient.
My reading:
3.40
